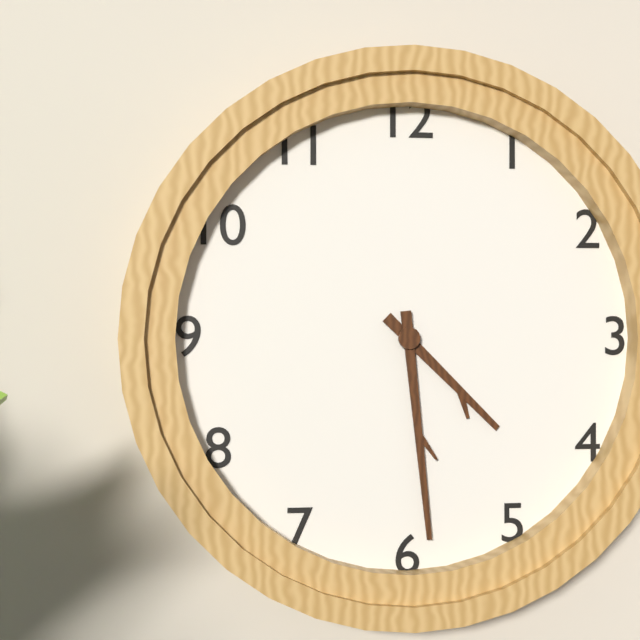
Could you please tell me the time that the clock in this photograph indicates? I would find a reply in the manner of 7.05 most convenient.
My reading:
4.29
